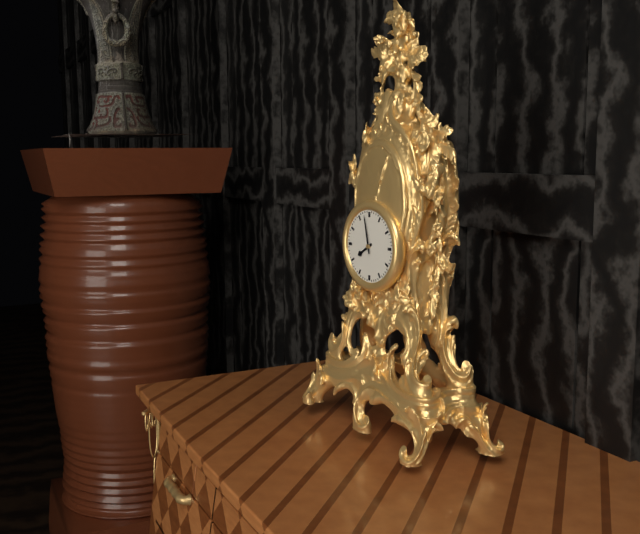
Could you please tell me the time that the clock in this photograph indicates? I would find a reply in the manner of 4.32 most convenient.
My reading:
7.58
